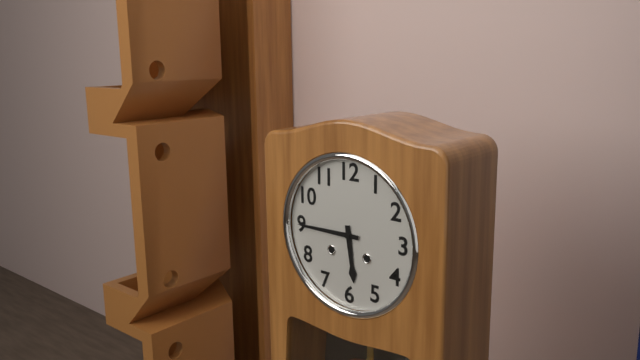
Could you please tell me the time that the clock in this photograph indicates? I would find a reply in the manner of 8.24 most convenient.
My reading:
5.45
